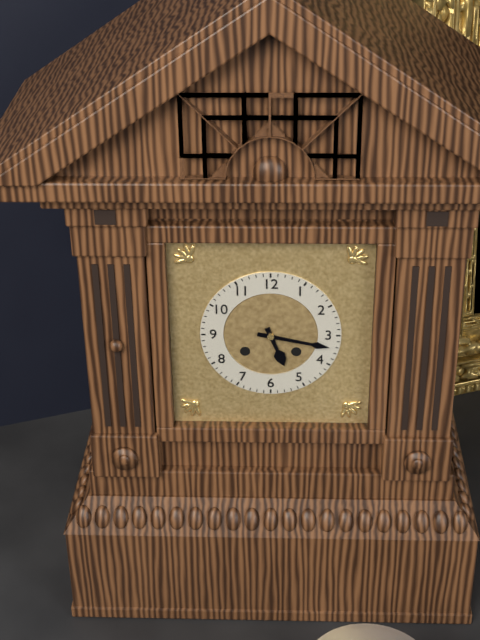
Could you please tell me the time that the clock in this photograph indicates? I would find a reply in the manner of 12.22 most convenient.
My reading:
5.17
